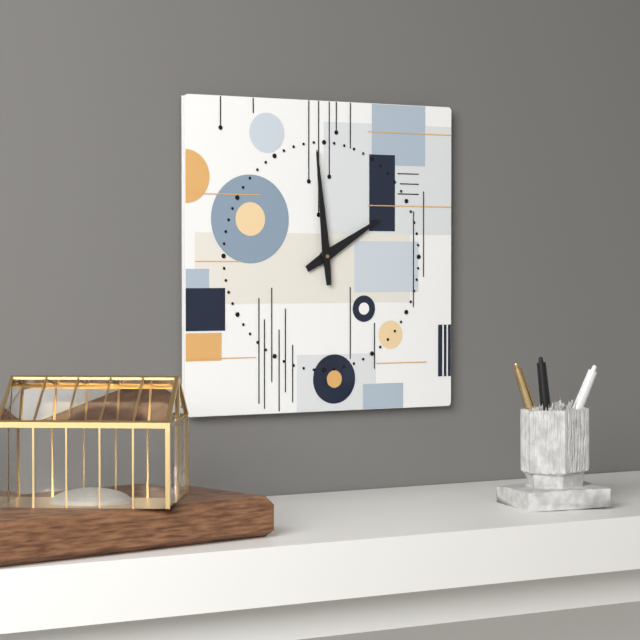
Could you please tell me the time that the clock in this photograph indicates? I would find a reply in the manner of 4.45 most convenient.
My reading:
1.59
